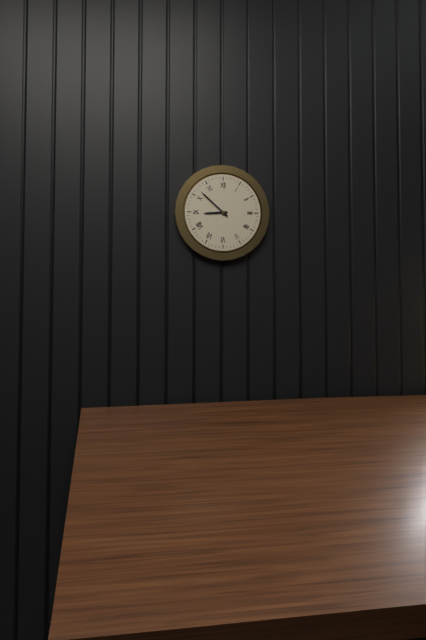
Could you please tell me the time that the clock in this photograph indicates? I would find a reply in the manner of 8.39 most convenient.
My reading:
8.52
